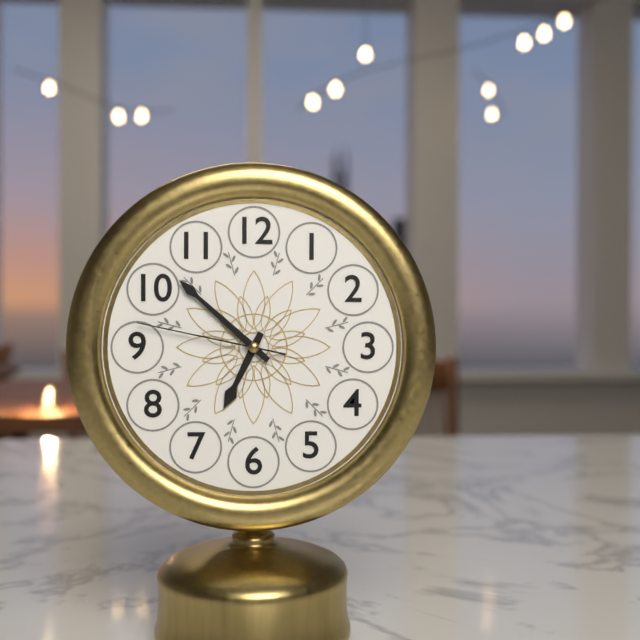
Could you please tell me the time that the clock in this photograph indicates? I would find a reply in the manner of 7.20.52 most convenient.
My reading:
6.52.47
